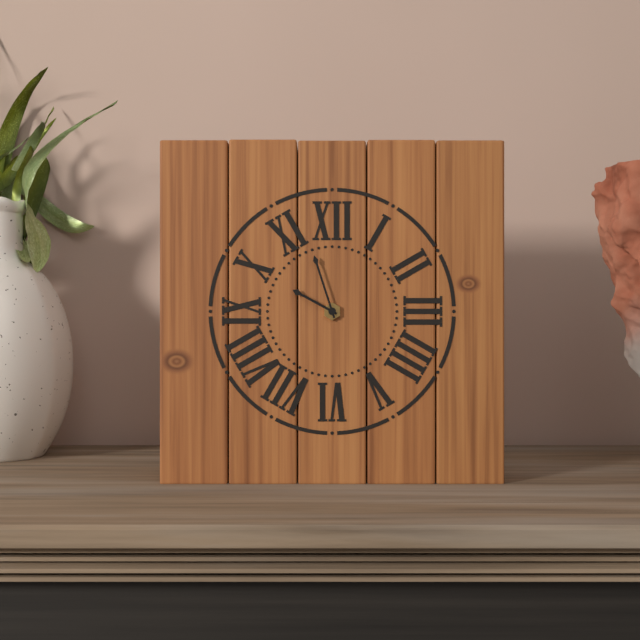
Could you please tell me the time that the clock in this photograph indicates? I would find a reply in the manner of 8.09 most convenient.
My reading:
9.57
